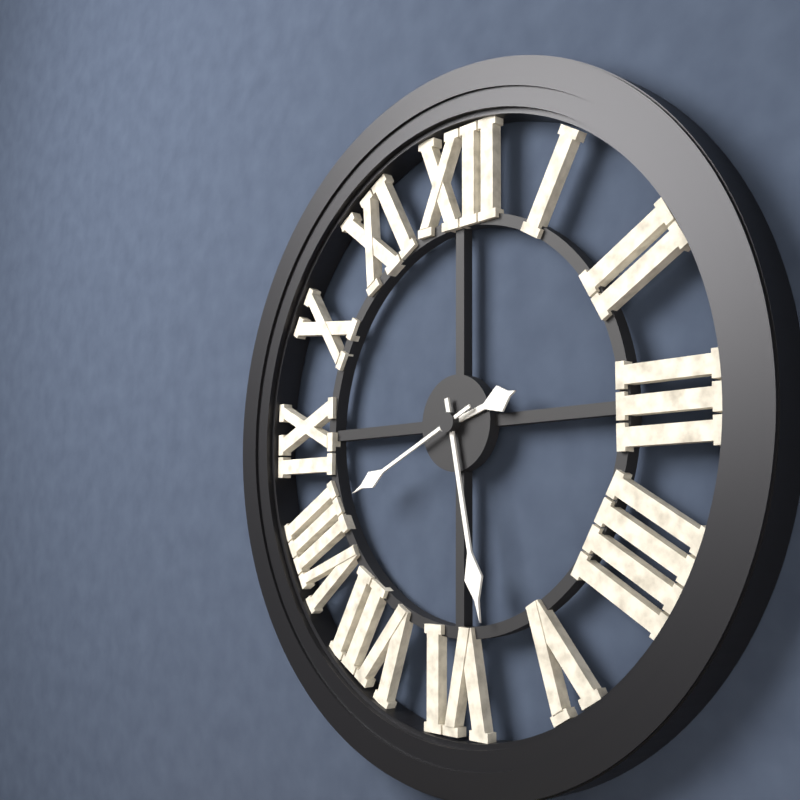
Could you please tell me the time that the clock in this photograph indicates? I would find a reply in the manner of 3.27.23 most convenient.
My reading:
2.28.41
